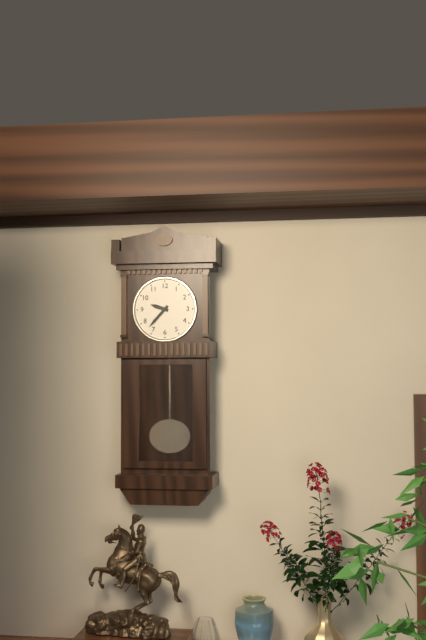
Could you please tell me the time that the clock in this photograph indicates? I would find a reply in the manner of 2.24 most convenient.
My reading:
9.37
